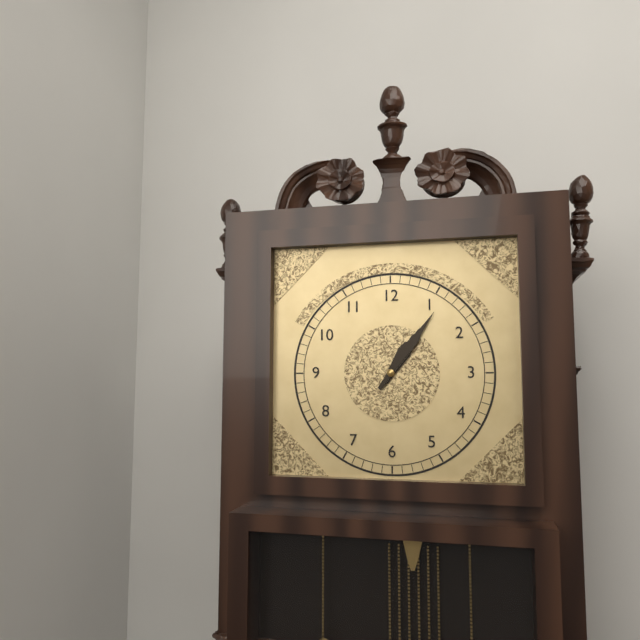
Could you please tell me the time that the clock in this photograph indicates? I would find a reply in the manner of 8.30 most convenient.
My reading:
1.06
